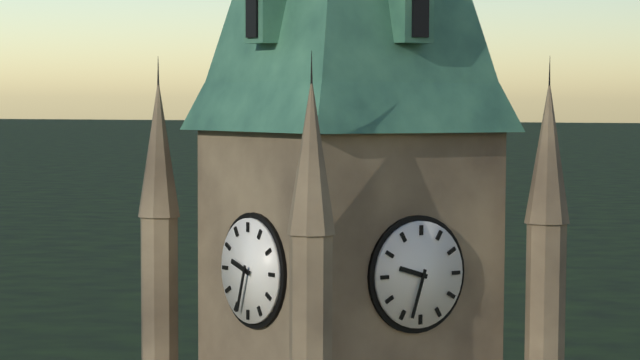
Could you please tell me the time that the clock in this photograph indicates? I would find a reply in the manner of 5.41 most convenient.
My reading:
9.33
